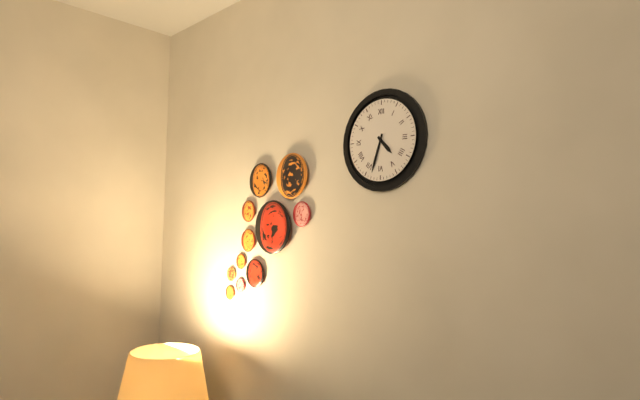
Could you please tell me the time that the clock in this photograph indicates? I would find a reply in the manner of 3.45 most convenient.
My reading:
4.33
